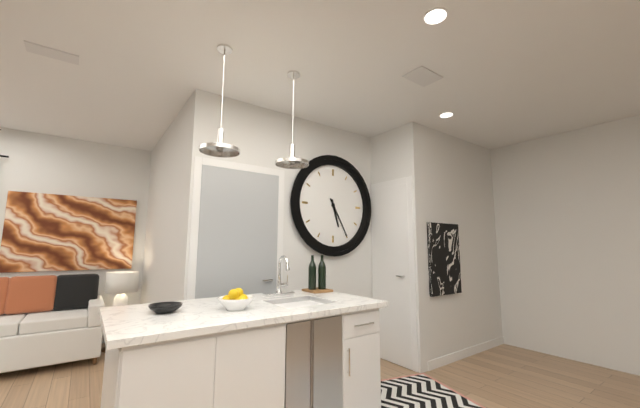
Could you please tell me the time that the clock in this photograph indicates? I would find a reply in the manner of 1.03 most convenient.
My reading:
5.25
